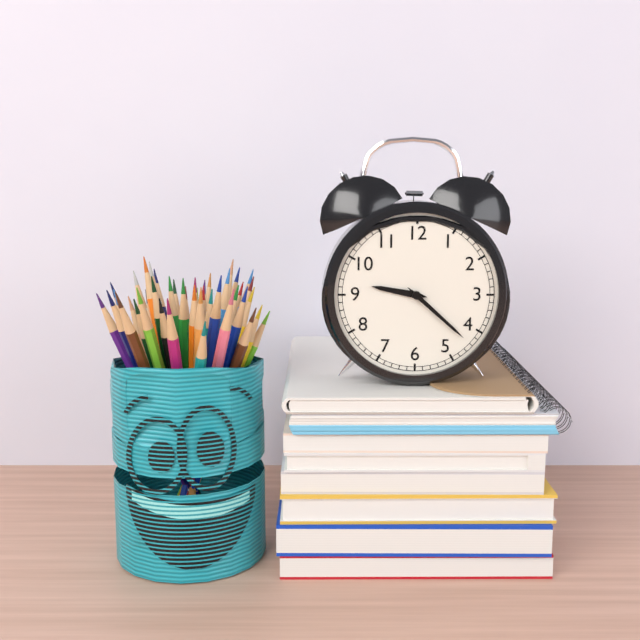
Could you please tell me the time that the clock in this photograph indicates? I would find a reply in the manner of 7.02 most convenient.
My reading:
9.22
